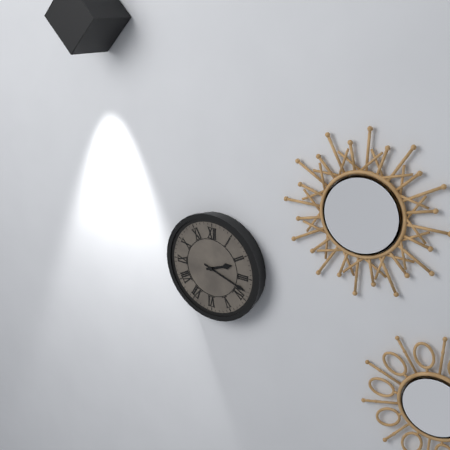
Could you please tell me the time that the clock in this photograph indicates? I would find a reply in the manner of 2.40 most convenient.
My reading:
2.18
